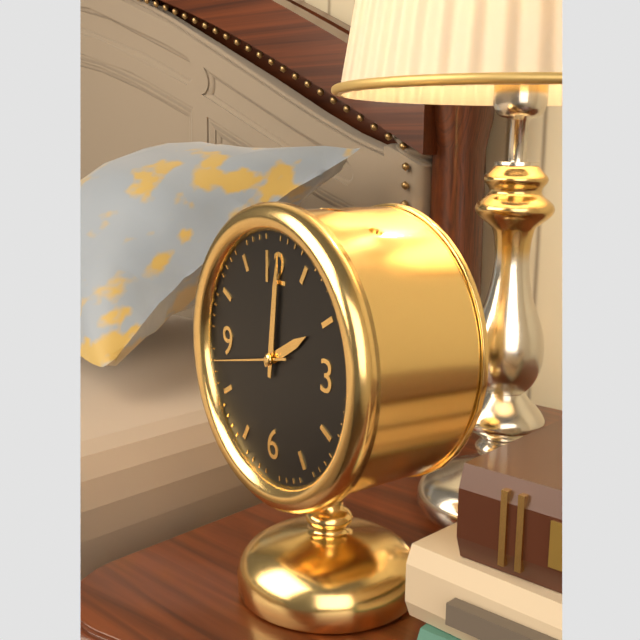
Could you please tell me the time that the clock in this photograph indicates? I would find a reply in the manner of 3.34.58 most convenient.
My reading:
2.01.43
